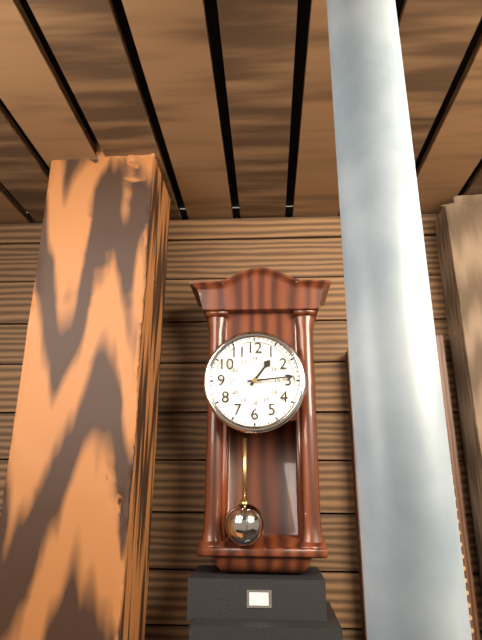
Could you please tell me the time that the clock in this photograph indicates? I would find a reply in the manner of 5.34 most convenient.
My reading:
1.14
